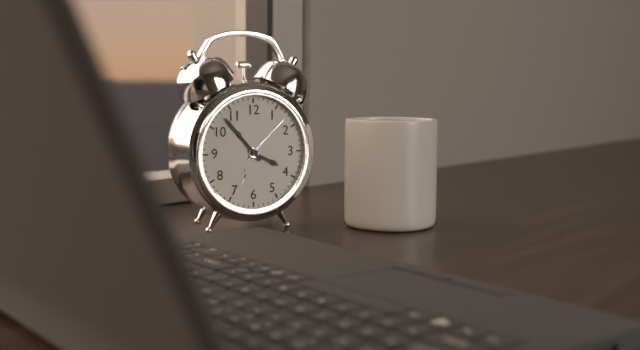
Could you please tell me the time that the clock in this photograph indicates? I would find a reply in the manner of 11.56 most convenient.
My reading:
3.53
